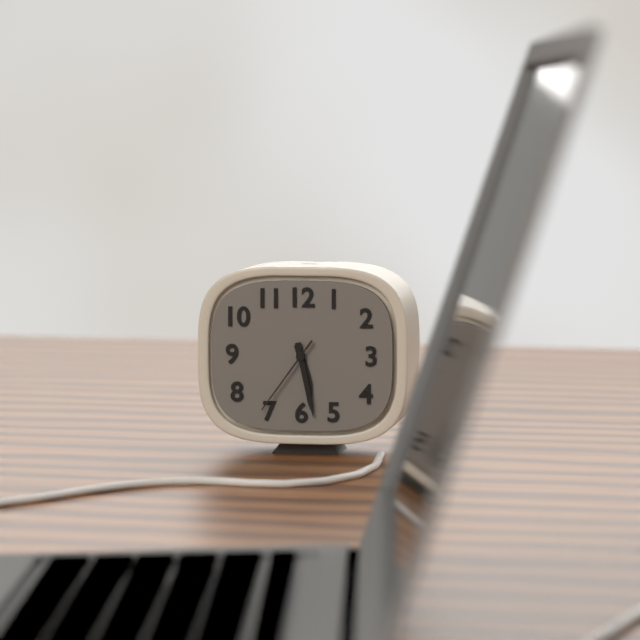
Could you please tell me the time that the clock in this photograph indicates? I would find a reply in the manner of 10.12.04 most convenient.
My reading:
5.28.36
